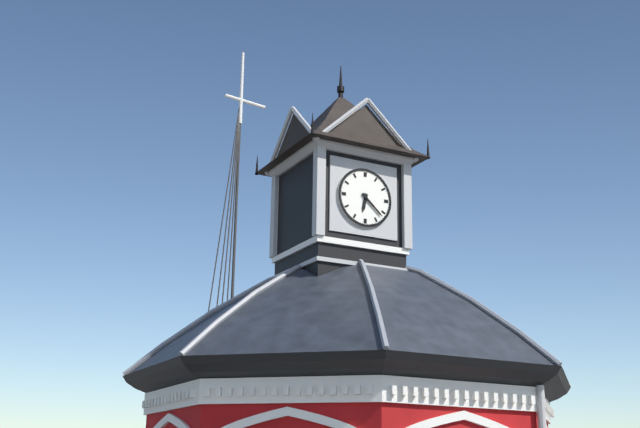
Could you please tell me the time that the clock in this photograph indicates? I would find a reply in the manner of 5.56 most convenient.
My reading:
6.22
